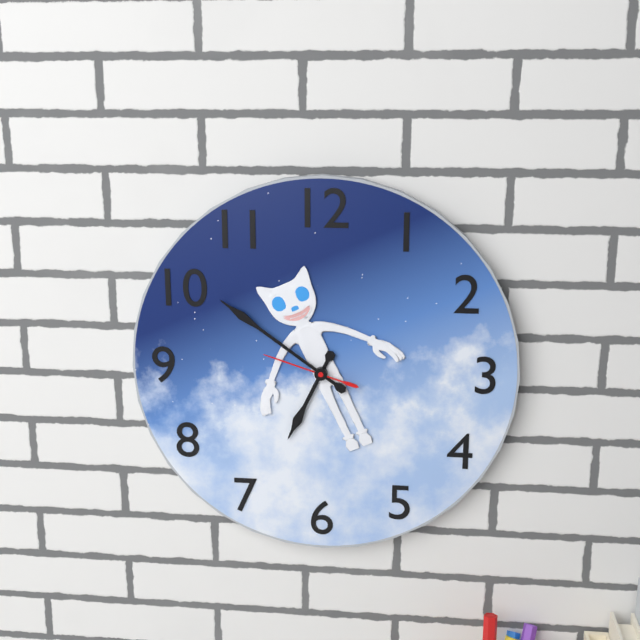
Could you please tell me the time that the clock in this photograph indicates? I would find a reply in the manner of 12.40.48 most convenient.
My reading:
6.51.48
